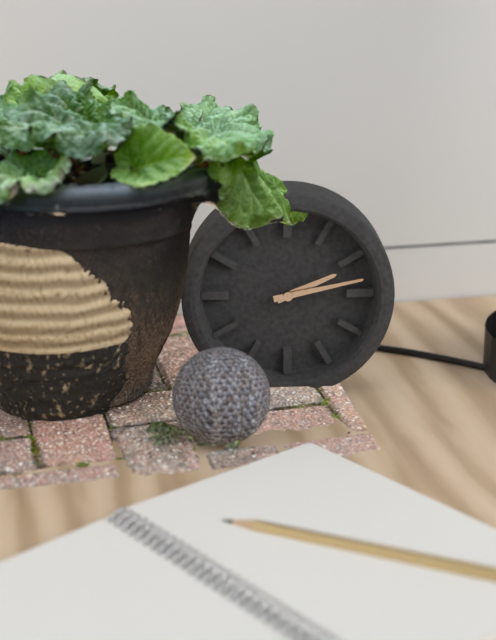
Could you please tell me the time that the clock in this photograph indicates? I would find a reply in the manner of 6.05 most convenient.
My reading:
2.13
